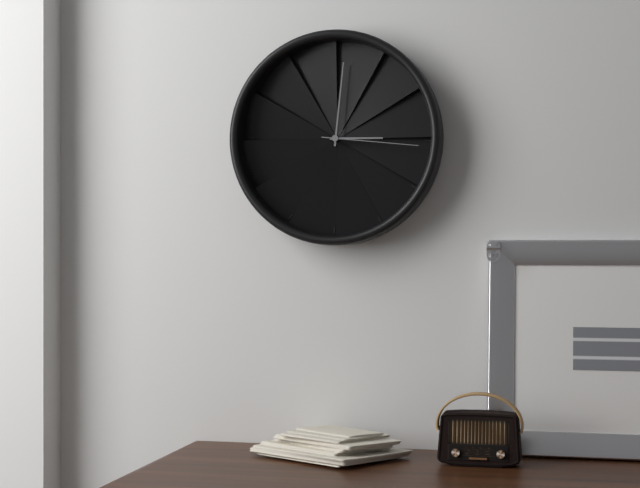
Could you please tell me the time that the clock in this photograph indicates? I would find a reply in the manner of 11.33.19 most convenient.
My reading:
3.01.16
